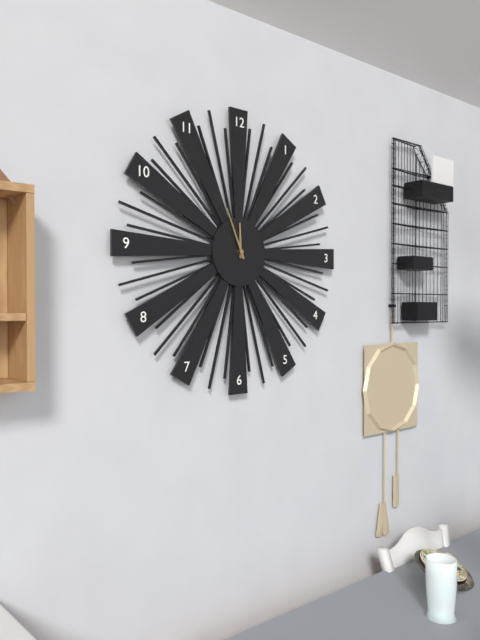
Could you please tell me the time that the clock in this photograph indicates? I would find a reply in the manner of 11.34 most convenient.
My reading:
11.56
